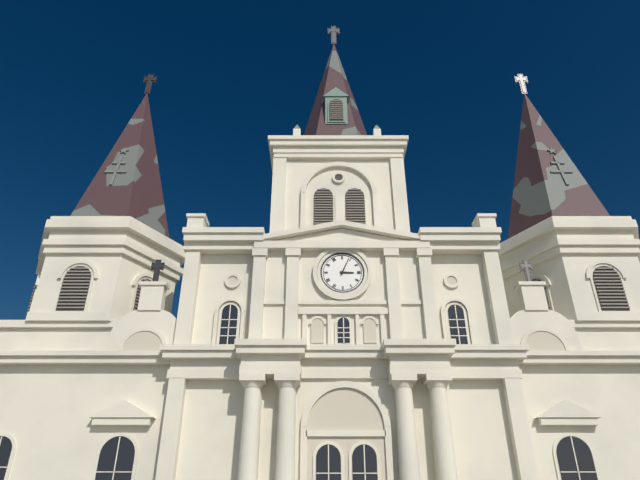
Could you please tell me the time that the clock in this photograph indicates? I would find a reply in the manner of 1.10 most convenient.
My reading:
3.04
